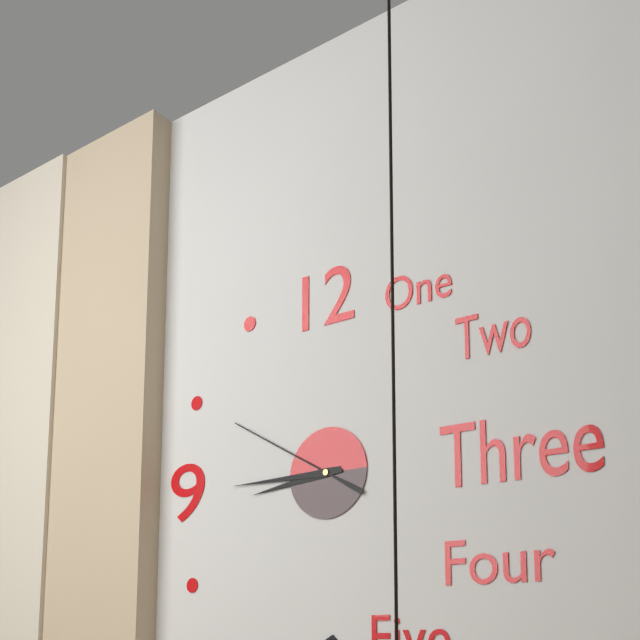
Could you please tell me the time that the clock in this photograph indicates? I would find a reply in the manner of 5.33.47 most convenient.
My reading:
8.45.50
